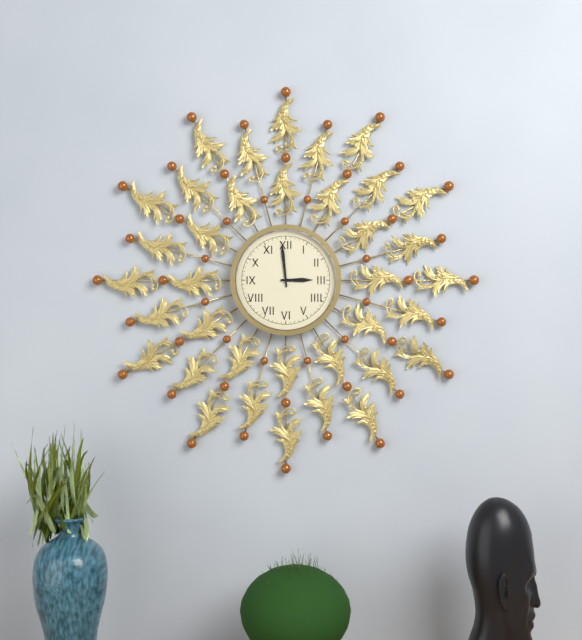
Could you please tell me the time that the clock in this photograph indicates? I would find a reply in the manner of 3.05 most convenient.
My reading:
2.59
